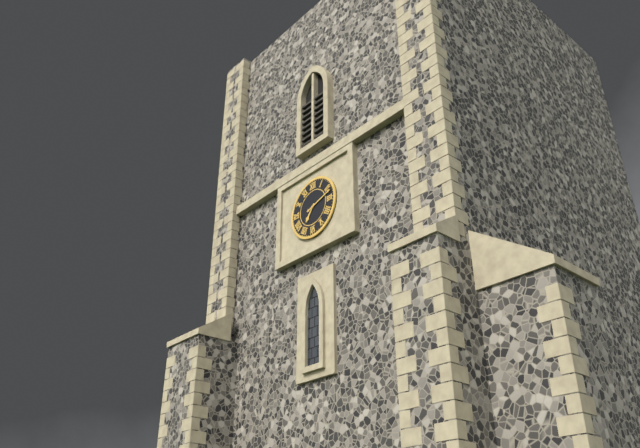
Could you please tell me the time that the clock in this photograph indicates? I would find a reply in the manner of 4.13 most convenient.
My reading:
7.12
